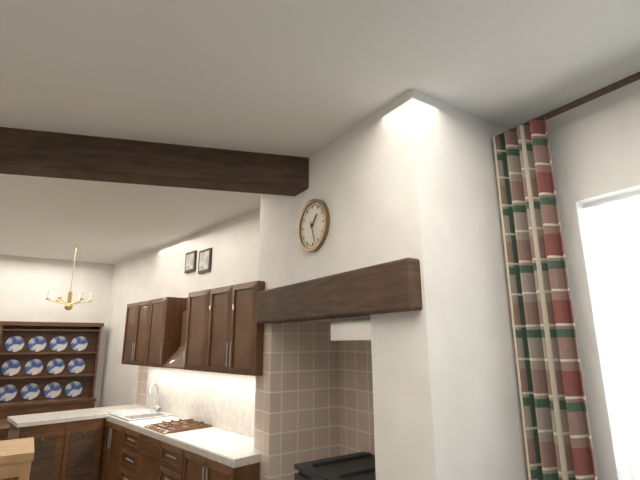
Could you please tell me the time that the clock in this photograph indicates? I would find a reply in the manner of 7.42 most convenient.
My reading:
1.27
